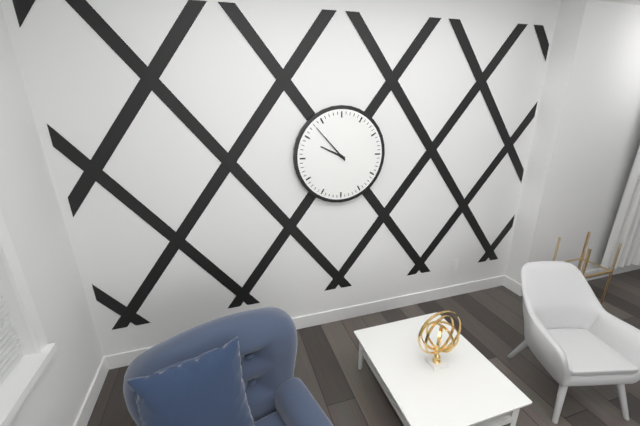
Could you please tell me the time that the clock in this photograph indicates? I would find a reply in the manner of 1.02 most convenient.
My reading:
9.53
